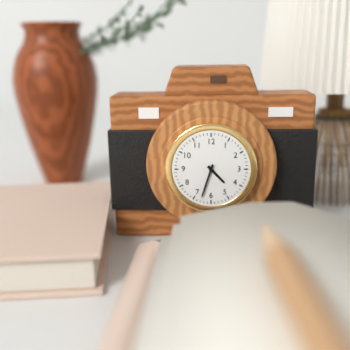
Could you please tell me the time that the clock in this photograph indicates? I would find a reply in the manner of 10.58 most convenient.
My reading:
4.33
